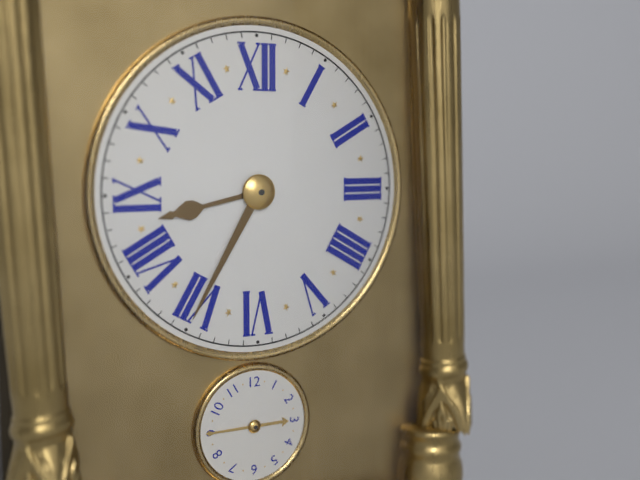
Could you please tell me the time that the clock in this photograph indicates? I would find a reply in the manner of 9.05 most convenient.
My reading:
8.35
